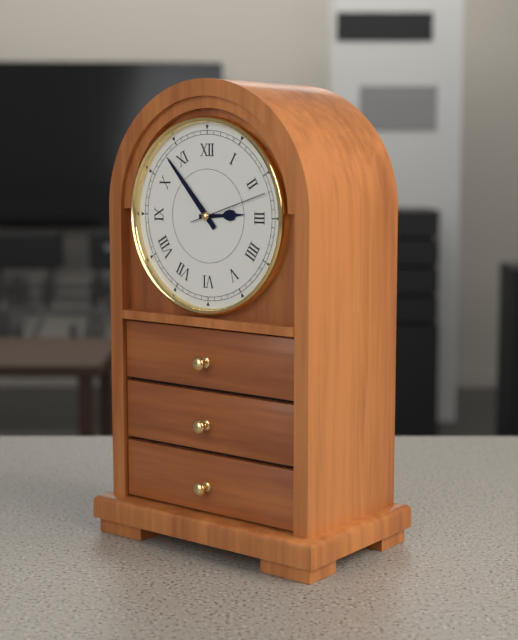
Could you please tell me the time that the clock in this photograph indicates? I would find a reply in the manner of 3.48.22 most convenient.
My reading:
2.53.12
